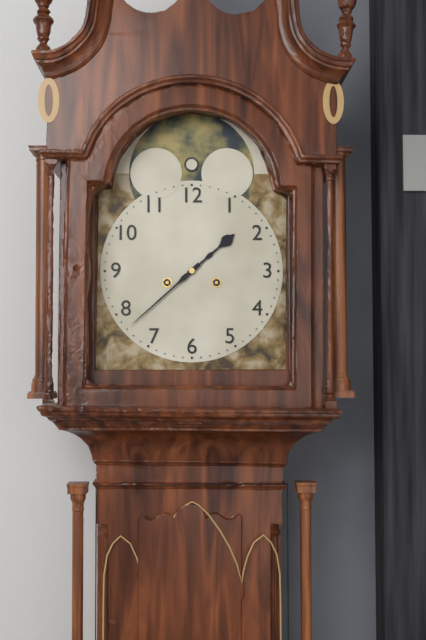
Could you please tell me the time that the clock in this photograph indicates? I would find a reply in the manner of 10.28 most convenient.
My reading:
1.38
